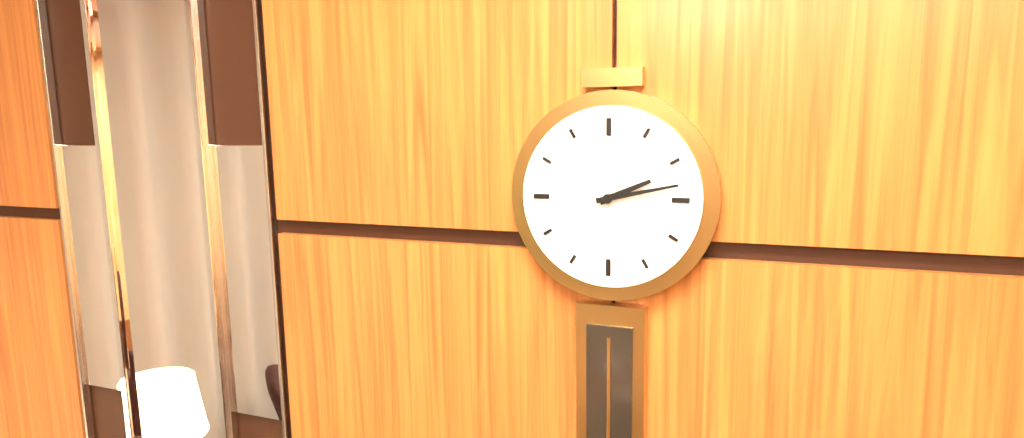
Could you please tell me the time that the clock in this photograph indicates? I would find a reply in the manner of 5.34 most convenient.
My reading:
2.13
